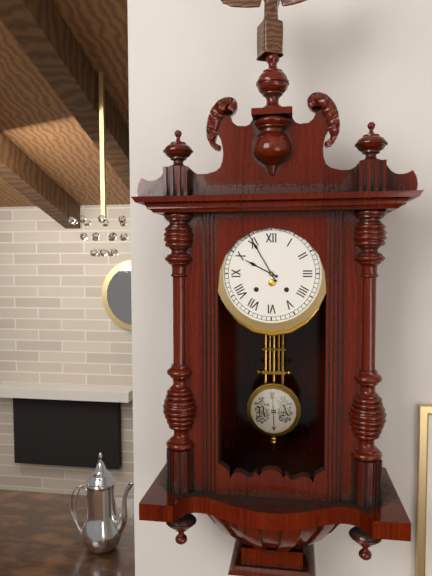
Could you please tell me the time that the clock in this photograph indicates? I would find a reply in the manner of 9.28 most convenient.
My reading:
9.55
